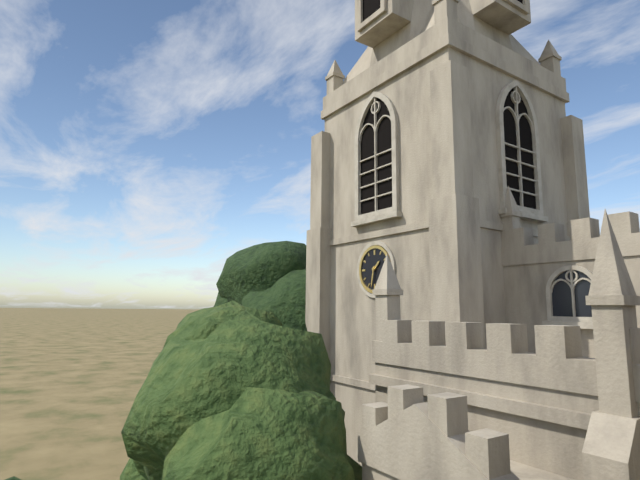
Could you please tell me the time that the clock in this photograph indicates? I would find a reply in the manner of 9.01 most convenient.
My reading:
1.32
